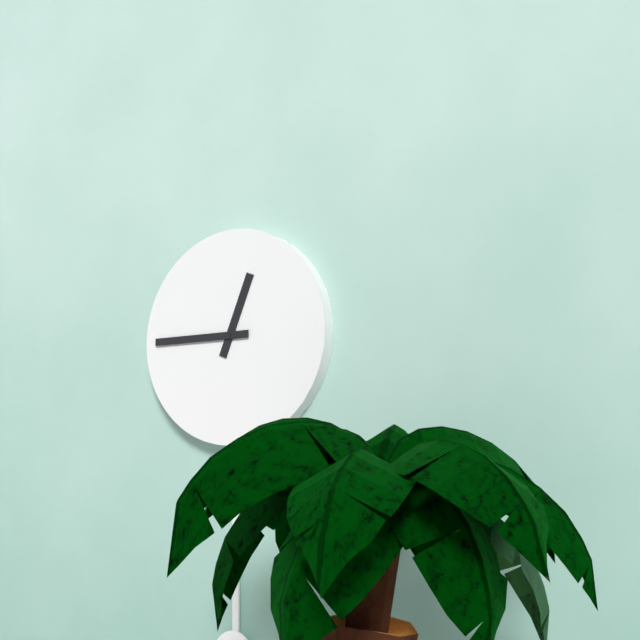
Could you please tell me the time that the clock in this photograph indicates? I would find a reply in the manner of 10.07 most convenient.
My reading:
12.45
